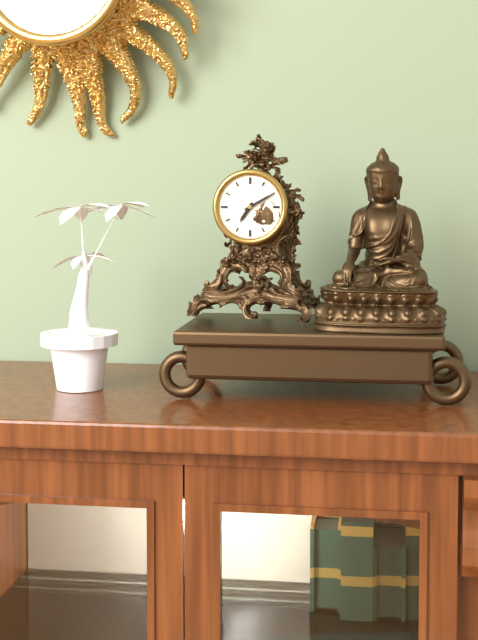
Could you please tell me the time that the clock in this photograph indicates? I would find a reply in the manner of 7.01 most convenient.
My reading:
7.10
